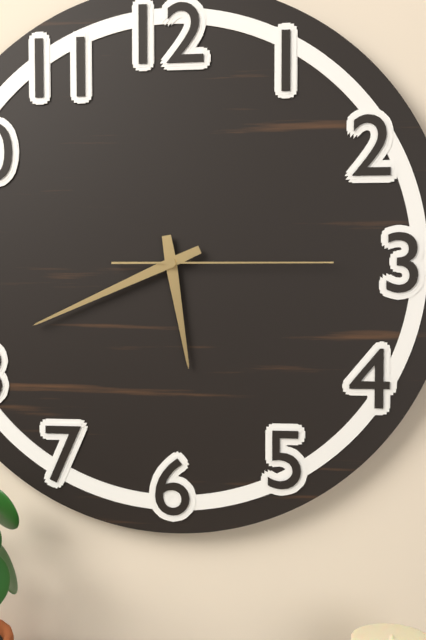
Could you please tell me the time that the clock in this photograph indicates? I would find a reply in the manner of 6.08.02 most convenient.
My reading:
5.41.15
